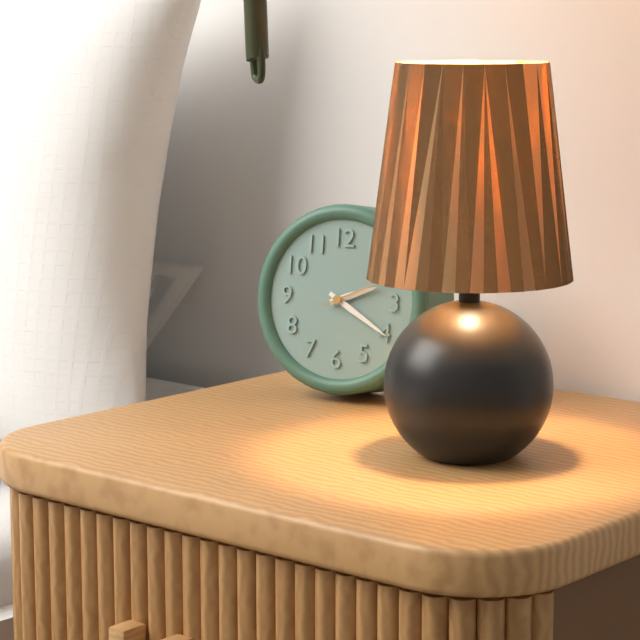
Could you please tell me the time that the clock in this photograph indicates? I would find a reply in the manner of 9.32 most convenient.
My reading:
2.20
